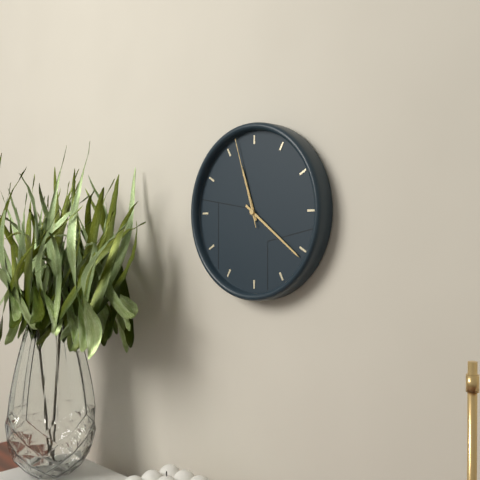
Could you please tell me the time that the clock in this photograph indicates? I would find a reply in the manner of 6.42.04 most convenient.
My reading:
11.21.57
